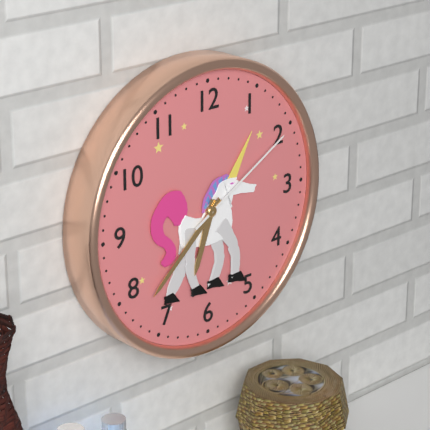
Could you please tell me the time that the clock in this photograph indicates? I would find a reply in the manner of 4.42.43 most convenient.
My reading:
6.38.10
